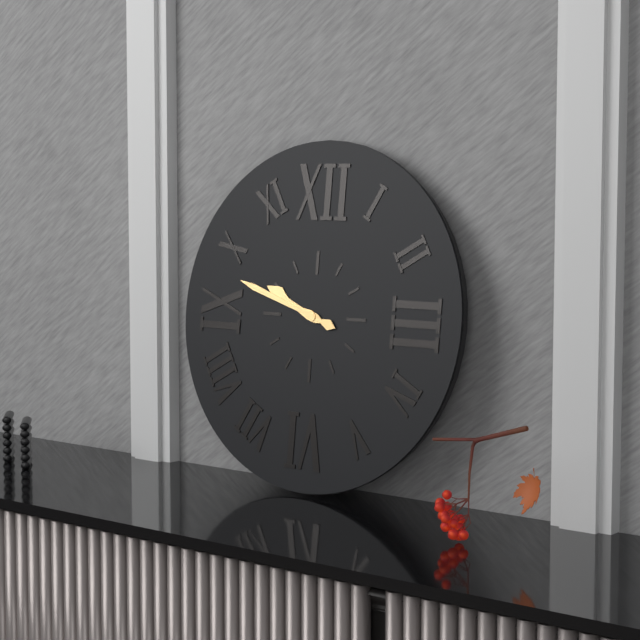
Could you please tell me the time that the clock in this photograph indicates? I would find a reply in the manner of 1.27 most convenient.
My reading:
9.48
